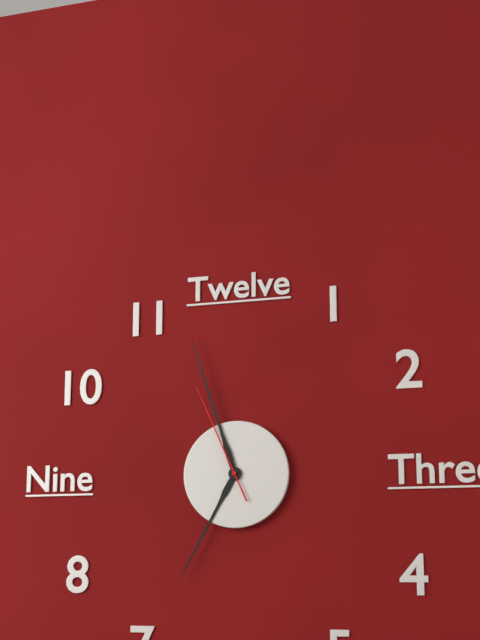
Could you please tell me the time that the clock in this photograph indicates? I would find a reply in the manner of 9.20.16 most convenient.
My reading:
6.57.56
